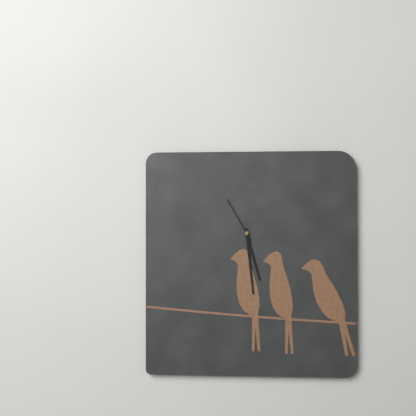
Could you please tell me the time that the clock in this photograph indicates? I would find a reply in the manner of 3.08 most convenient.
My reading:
5.29
